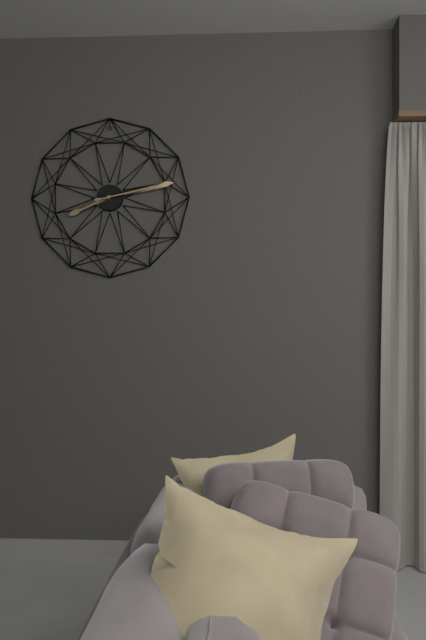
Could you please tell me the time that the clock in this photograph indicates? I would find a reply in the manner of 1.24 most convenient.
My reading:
8.13
